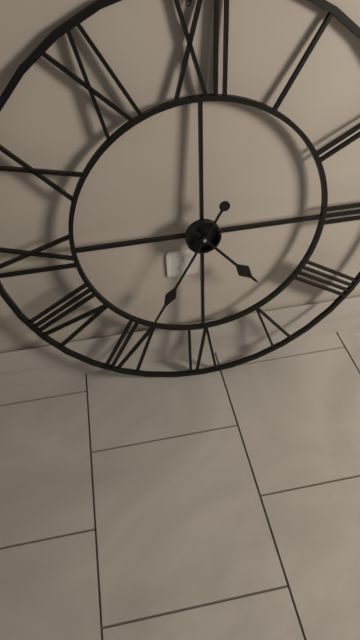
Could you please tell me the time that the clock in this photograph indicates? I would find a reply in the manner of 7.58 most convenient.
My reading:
4.35
